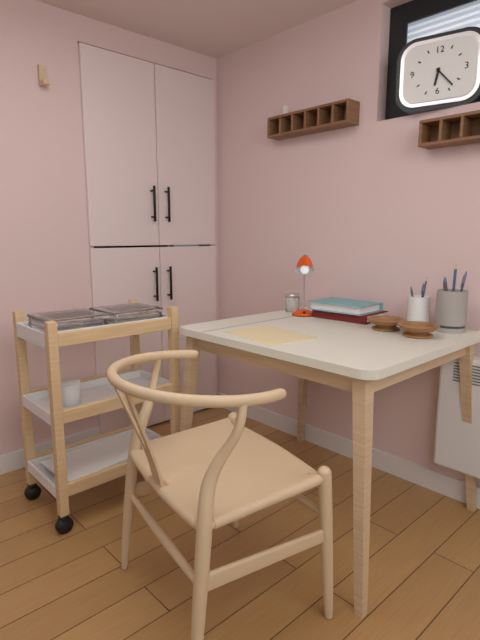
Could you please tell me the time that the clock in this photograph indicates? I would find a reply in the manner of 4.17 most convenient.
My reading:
6.23
